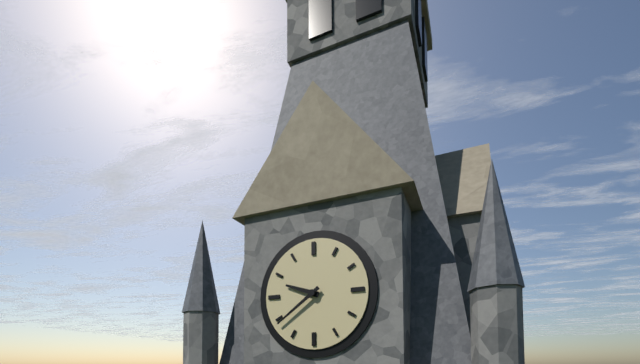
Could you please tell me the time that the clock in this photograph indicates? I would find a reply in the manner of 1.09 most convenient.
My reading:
9.39
